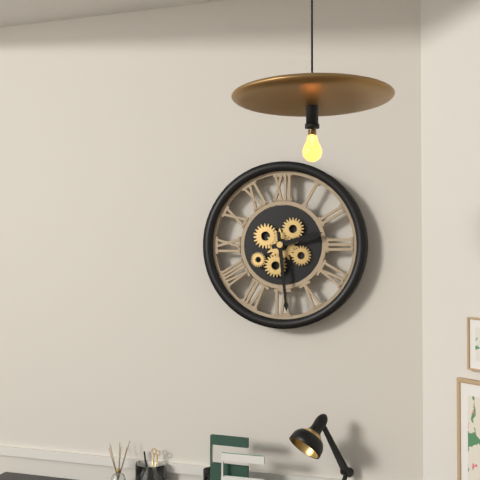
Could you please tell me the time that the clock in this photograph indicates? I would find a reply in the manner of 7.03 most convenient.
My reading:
2.29
